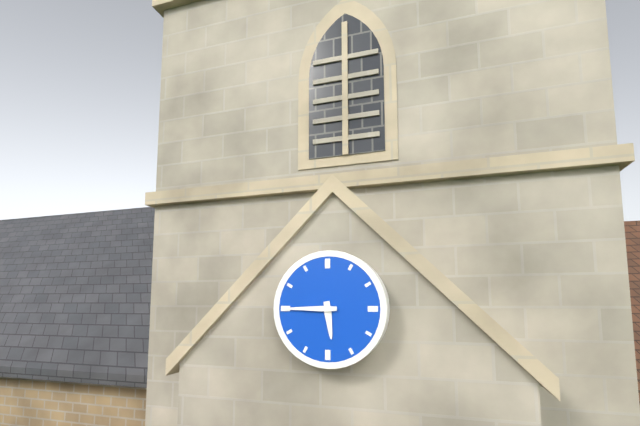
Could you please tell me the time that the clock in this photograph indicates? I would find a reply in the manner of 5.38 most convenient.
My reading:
5.45
